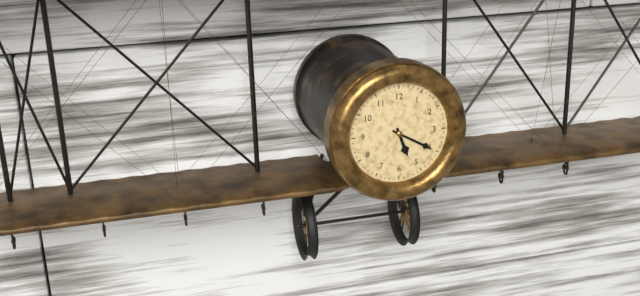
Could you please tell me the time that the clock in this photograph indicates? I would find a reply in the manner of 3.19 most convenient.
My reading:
5.20
